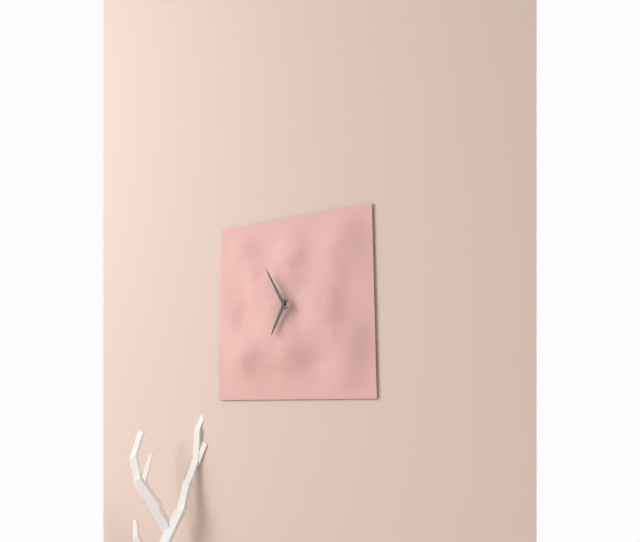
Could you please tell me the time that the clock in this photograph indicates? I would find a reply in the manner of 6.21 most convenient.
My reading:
6.55
